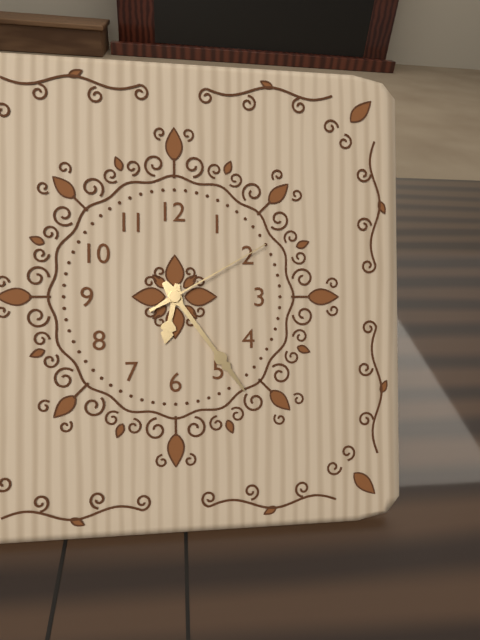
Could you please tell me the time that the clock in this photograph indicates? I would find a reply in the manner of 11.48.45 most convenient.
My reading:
6.24.10
